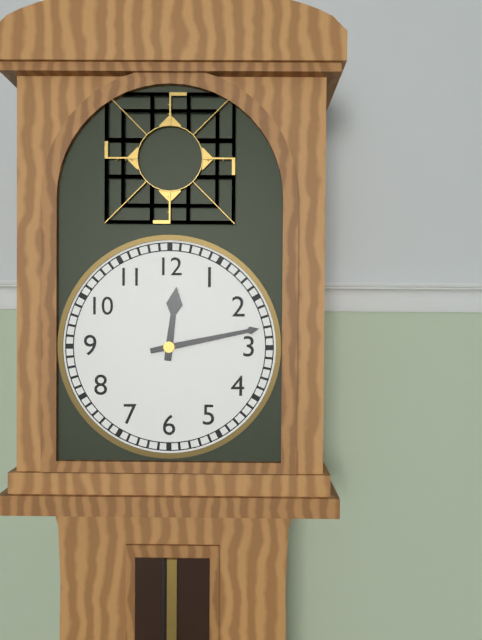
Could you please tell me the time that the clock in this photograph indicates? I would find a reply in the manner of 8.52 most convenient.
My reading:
12.13
